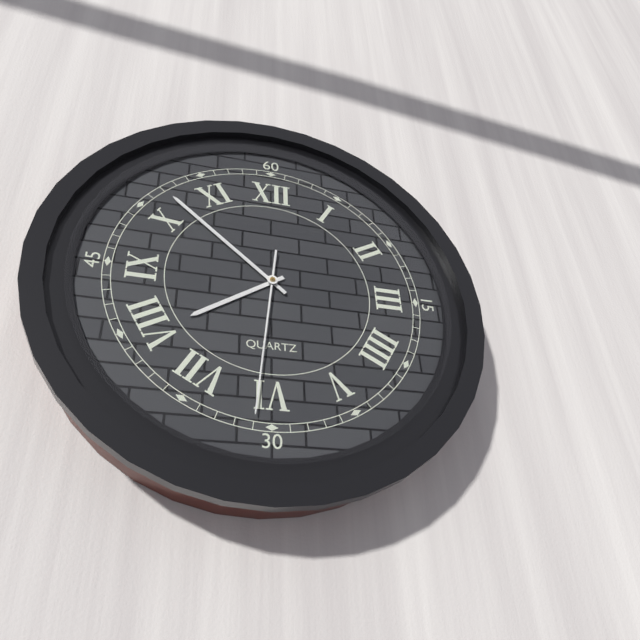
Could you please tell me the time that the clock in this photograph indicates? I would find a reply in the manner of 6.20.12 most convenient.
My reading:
7.52.31
